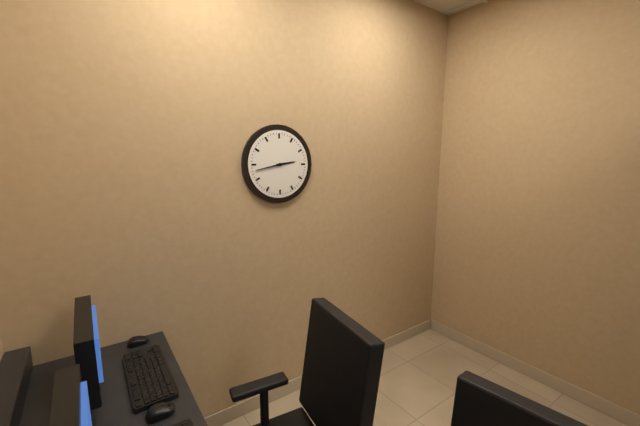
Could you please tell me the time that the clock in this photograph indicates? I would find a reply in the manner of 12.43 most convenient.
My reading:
2.43
